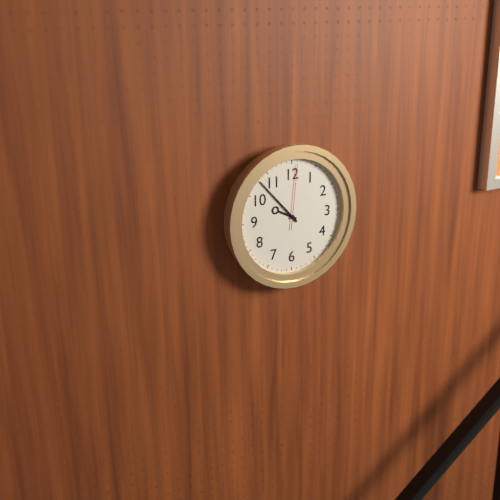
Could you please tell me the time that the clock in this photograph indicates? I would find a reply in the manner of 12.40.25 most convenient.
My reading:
9.53.01
